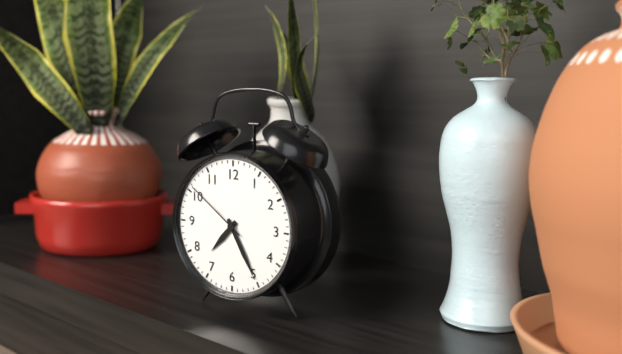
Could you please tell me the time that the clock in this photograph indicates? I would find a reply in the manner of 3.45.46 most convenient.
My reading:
7.25.51
